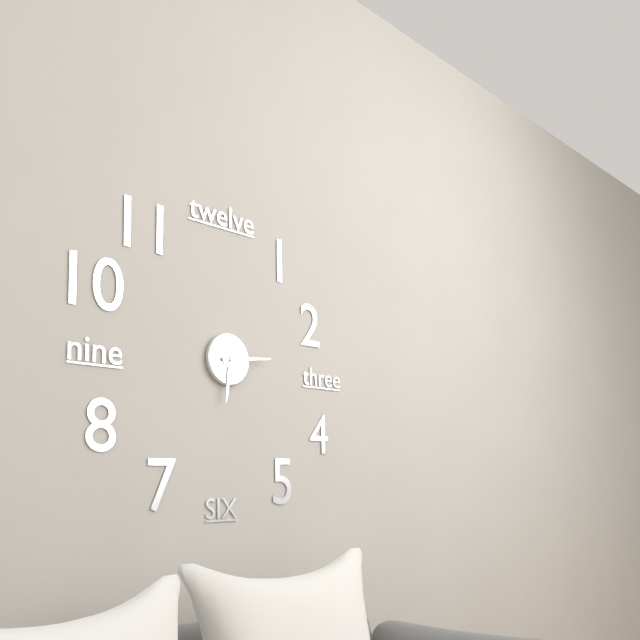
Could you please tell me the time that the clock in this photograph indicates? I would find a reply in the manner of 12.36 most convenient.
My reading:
6.14
